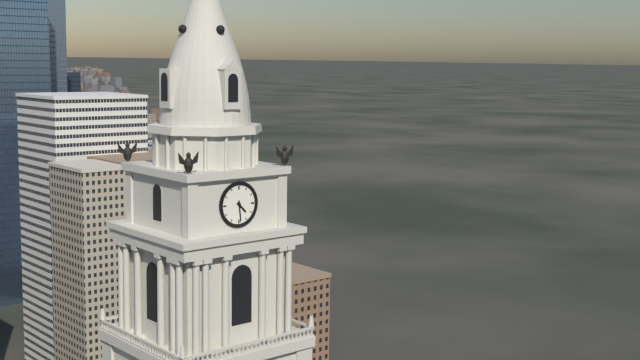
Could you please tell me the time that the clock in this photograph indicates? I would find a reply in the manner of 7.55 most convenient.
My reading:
4.29
